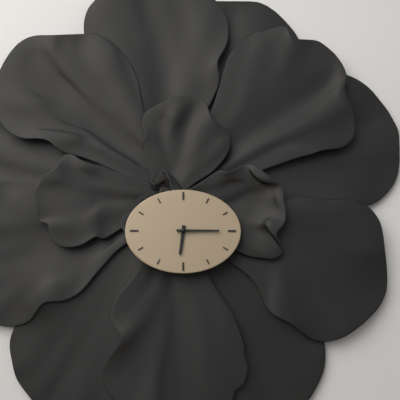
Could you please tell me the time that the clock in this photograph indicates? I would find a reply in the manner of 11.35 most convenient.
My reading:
6.15
